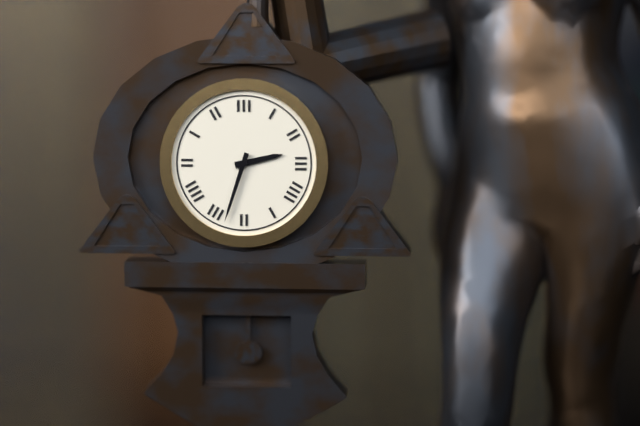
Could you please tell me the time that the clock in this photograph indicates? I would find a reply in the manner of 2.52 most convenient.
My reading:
2.33
